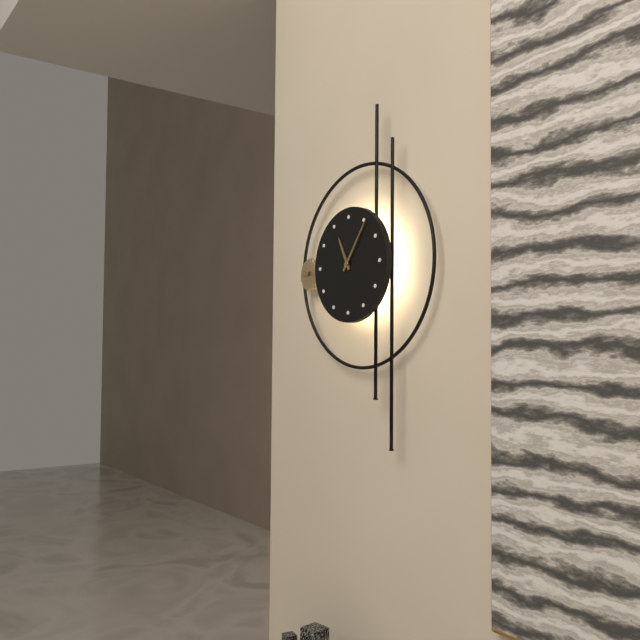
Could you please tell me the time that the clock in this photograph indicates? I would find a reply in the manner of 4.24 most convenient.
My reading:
11.06
